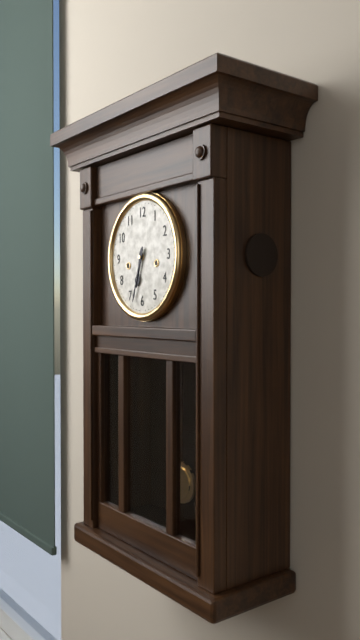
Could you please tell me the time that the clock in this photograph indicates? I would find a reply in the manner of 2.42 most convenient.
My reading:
6.33
